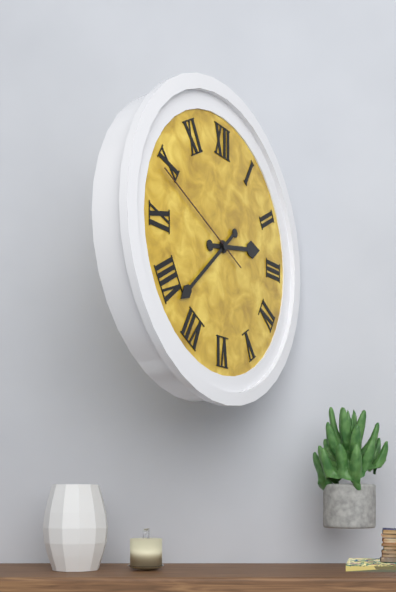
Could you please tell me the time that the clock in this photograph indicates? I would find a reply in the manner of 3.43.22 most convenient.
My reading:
2.38.49
